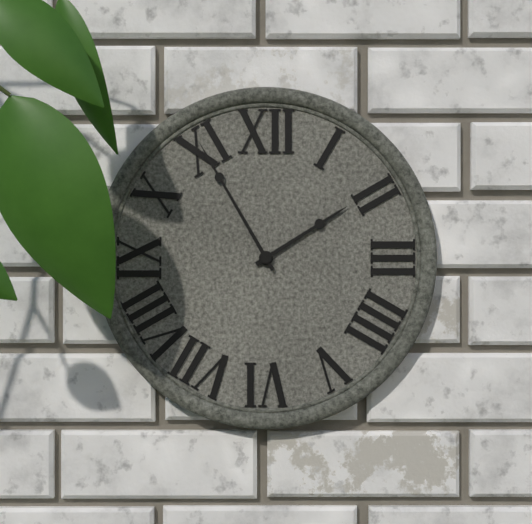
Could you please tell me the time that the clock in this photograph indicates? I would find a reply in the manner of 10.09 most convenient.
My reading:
1.55
